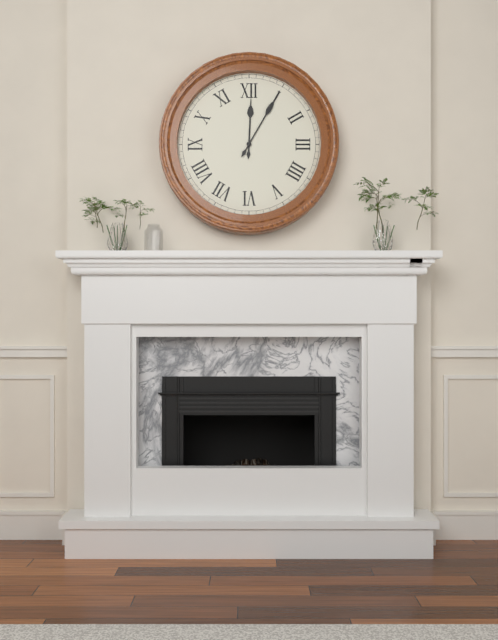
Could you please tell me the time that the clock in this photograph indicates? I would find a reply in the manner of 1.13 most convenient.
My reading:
12.05
